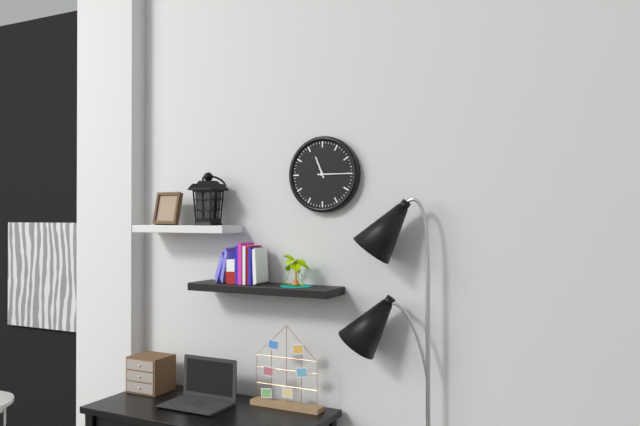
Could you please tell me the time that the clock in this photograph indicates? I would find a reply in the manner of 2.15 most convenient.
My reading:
11.15
